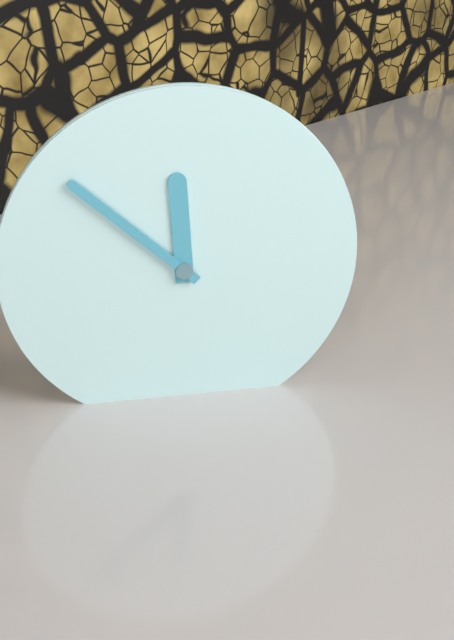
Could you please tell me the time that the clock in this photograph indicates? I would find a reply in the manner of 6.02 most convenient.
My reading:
11.52
